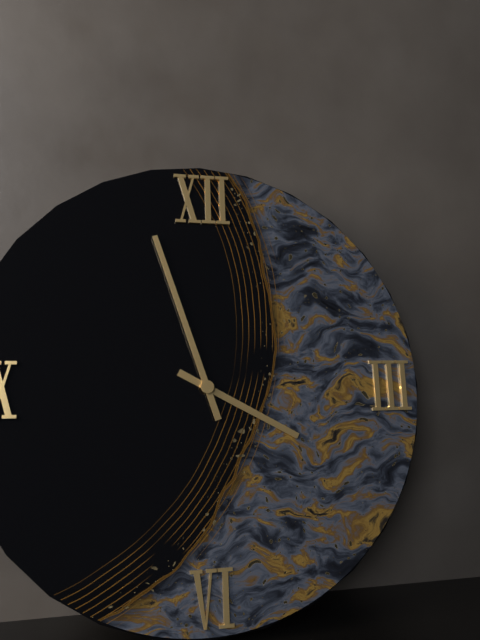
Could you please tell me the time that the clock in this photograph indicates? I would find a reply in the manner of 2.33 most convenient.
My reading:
3.57
